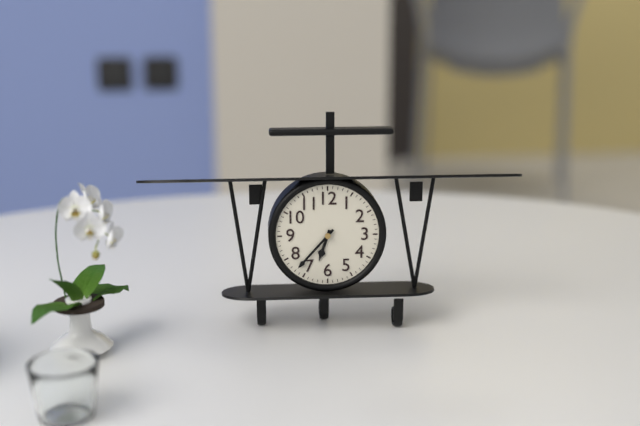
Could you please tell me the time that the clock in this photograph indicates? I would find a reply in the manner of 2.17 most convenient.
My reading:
6.37
